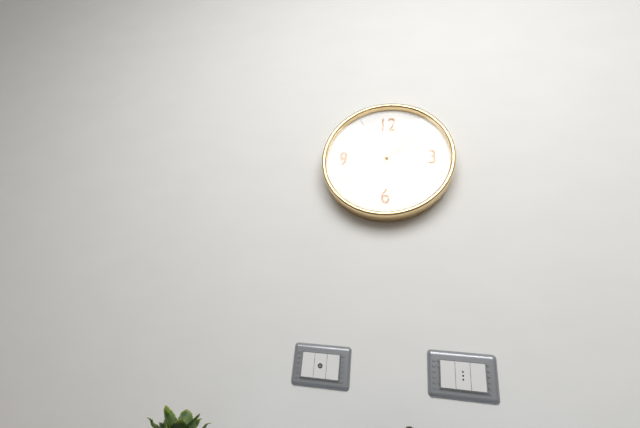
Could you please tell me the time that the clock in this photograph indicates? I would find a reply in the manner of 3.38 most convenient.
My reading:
6.08
